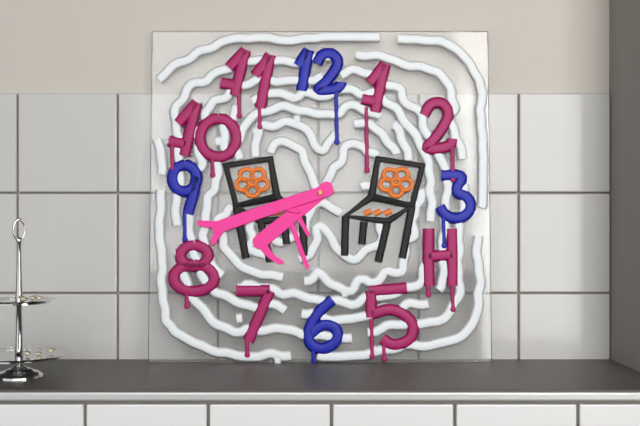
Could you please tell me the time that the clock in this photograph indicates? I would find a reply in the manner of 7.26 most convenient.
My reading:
7.42
